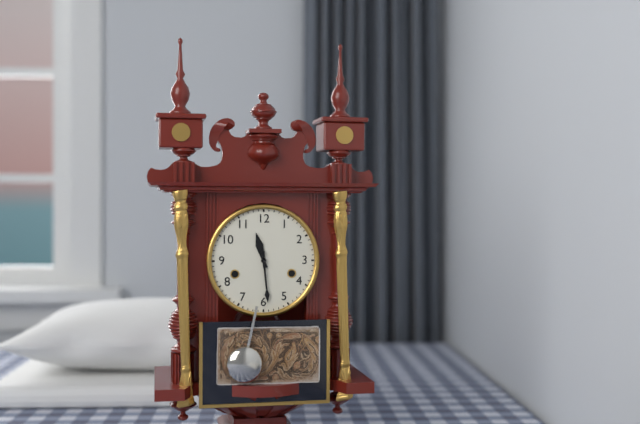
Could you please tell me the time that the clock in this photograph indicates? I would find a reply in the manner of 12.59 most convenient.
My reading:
11.29
